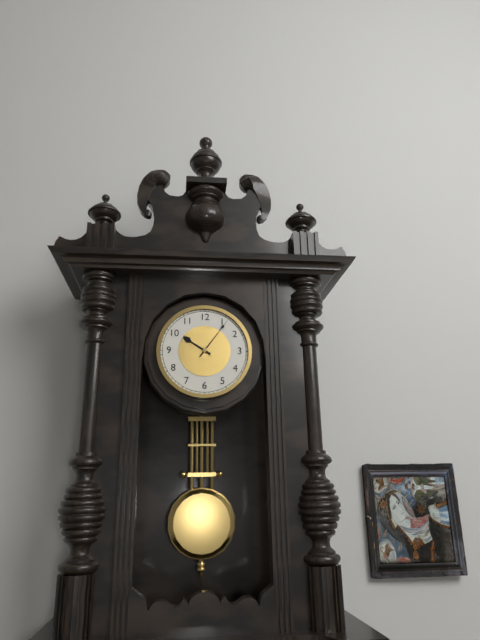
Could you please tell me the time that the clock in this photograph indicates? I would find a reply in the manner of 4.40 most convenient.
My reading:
10.06
